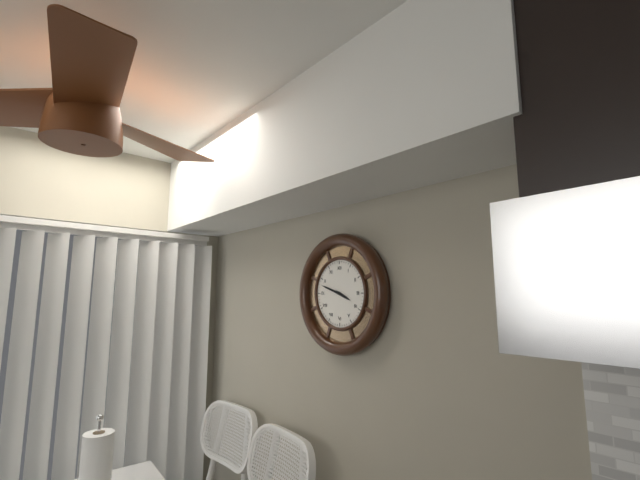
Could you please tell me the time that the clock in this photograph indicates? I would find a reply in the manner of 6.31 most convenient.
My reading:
3.48
